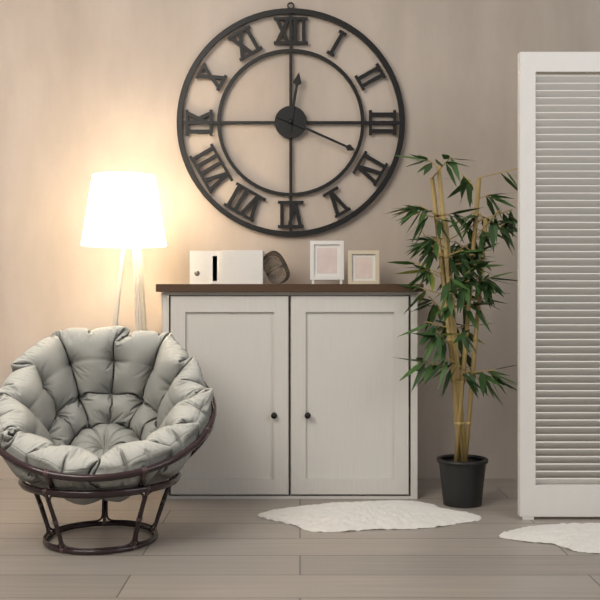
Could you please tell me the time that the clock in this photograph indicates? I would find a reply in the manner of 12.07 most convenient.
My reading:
12.19
